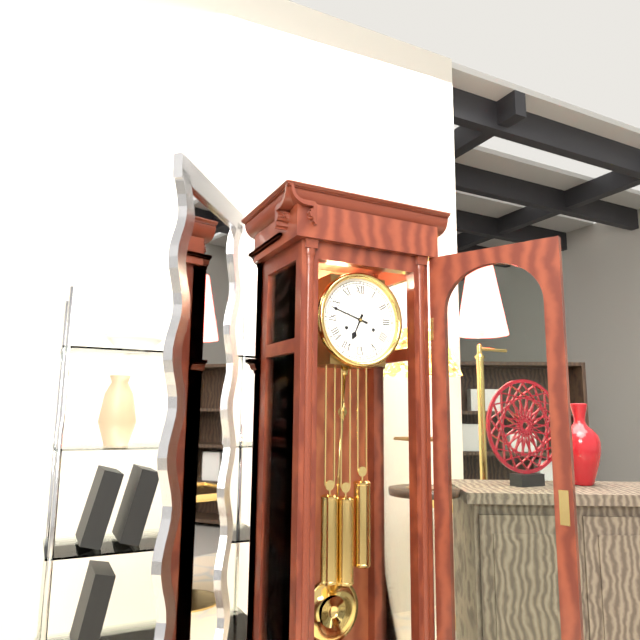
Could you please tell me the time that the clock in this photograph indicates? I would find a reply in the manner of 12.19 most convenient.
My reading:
6.48
